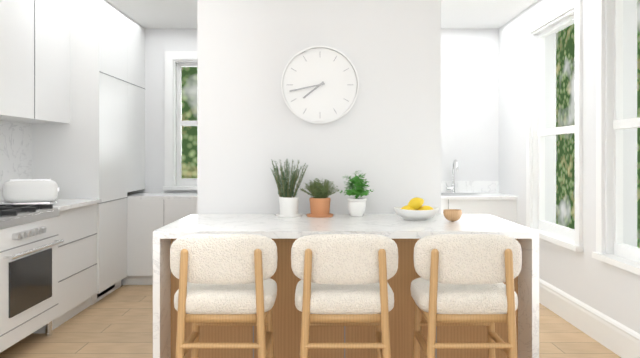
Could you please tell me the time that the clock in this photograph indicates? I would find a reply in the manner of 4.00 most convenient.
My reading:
7.43
